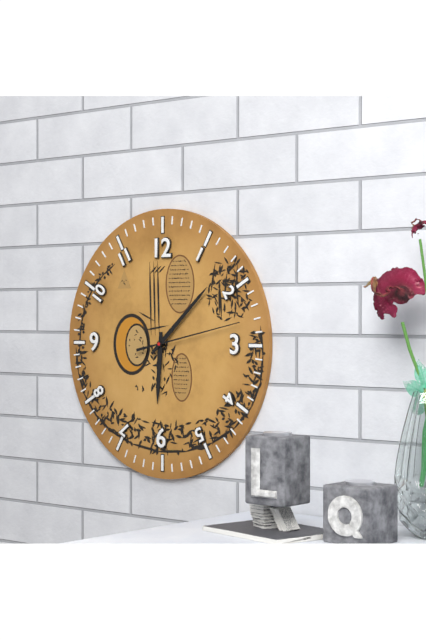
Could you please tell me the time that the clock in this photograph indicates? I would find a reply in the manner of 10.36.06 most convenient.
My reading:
6.08.13
